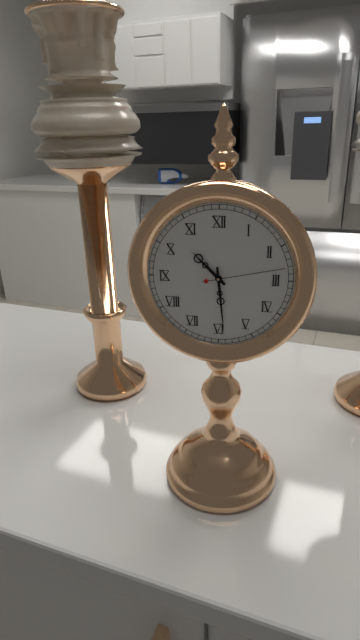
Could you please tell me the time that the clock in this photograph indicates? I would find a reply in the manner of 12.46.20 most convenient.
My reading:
10.29.13
